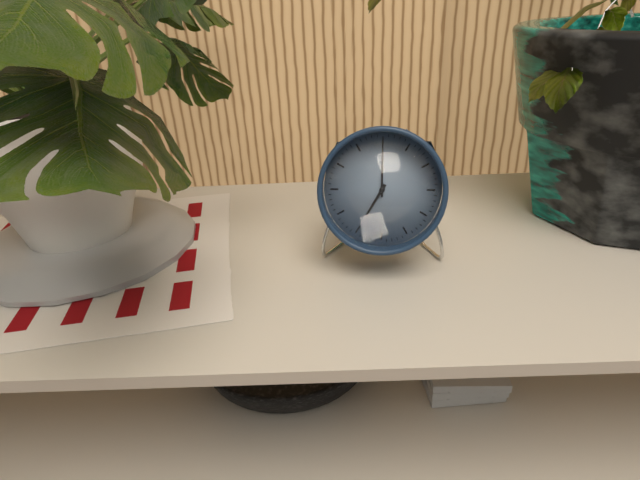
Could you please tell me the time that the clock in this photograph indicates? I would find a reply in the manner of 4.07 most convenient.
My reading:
7.00
